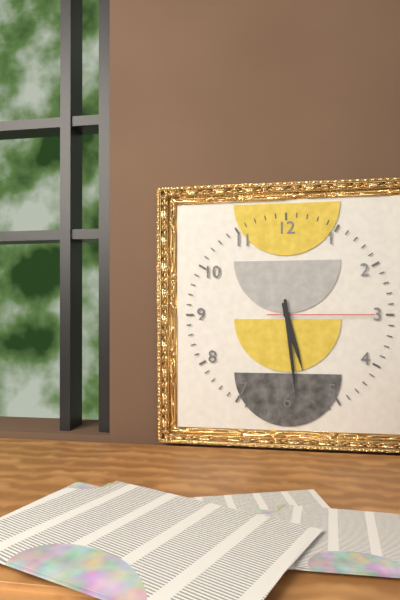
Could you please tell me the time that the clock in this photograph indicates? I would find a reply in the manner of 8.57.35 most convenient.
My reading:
5.29.15
